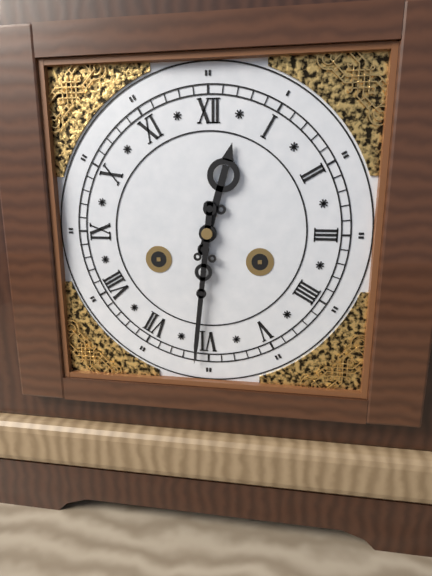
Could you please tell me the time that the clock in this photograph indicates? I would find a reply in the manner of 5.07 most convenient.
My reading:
12.31
